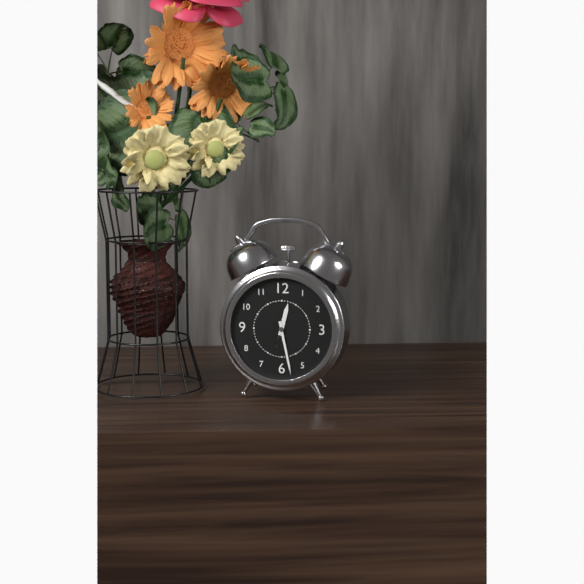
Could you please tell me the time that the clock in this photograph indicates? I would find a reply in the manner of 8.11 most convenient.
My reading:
12.28
